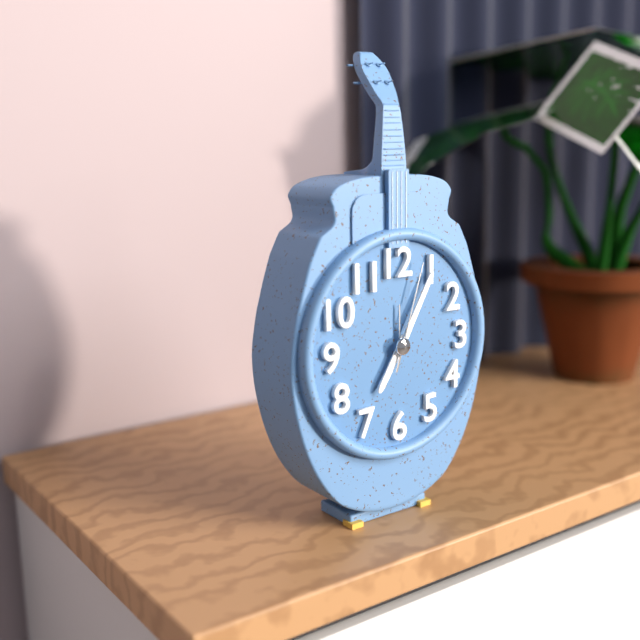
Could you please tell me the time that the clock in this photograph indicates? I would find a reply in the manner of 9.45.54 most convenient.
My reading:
7.05.03
